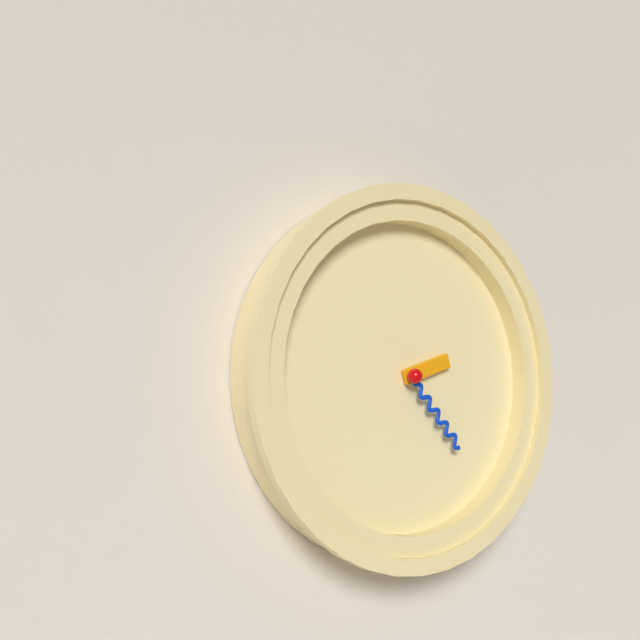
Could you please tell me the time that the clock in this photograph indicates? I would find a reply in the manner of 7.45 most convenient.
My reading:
2.23
